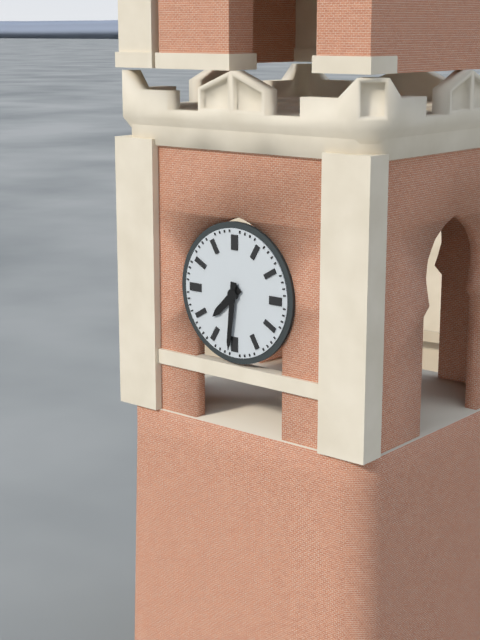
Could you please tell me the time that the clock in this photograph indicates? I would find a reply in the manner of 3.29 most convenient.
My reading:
7.31
